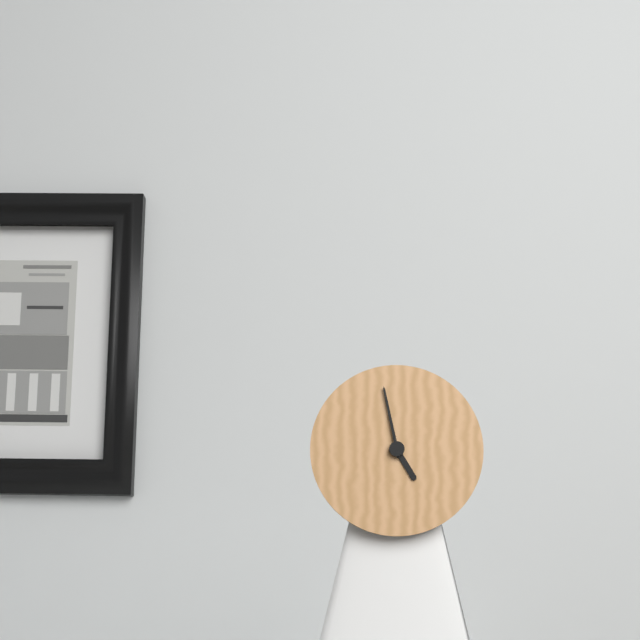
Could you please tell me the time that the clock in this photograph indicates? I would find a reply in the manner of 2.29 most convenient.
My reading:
4.58
